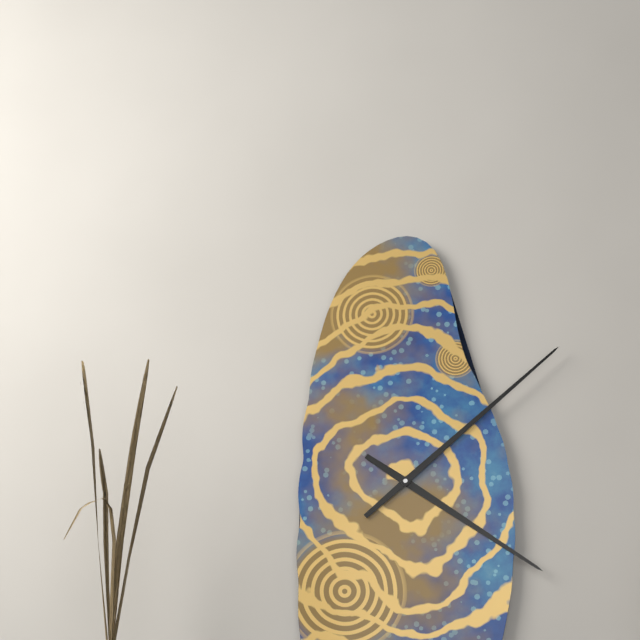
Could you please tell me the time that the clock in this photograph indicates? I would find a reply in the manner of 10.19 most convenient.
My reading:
4.08
